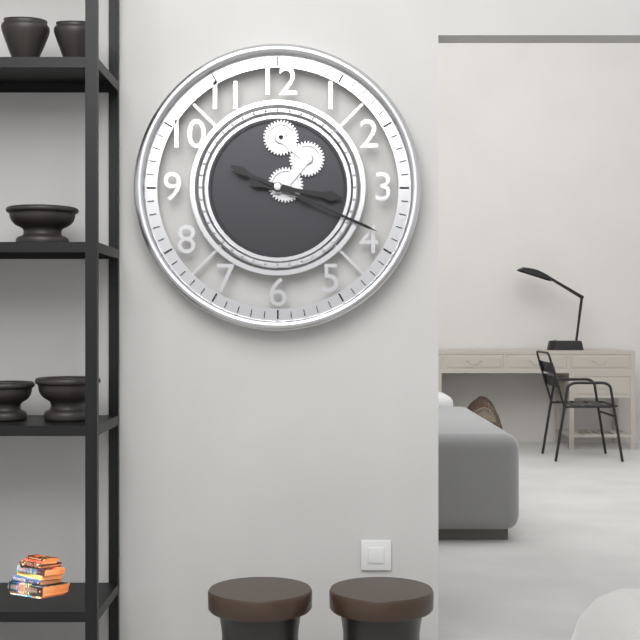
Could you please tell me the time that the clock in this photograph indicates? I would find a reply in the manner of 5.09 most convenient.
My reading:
3.19
